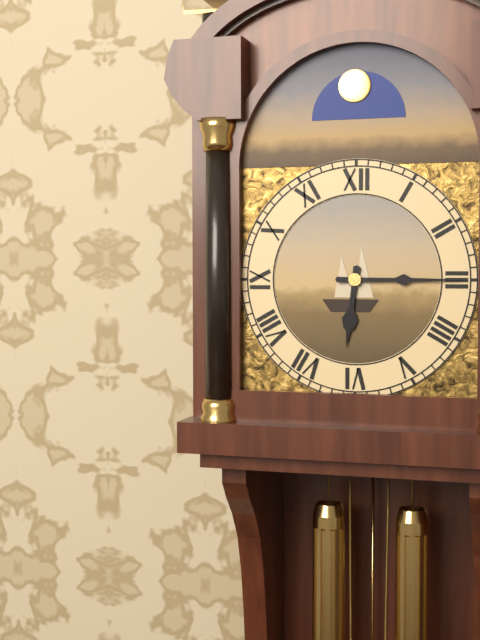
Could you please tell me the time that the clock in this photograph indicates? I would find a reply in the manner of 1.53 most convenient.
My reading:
6.15
